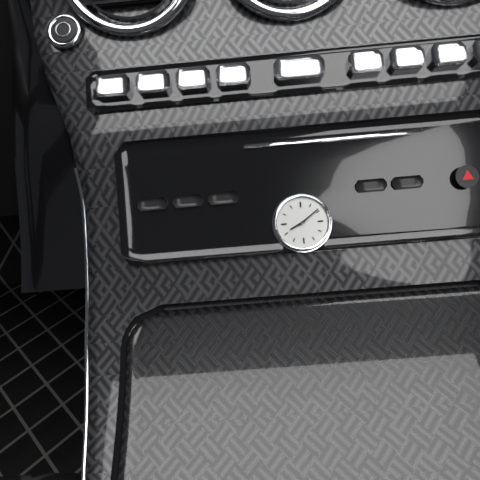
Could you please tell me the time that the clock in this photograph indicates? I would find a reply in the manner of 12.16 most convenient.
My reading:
8.09
